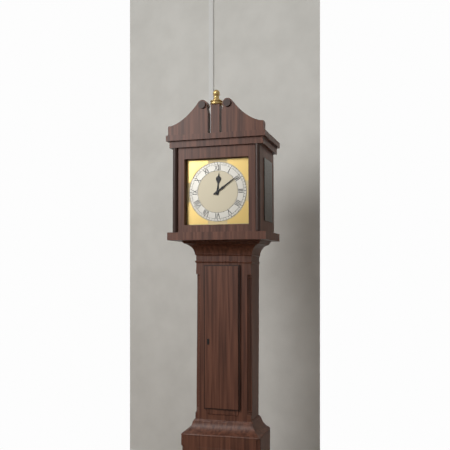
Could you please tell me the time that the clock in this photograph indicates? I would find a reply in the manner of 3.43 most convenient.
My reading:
12.09
